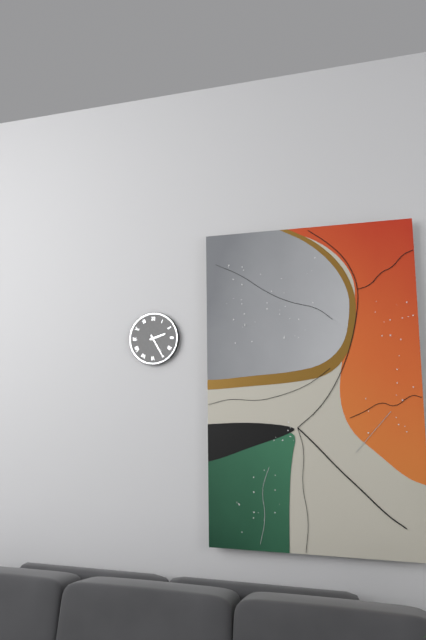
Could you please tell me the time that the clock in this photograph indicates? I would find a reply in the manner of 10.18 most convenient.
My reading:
2.25
